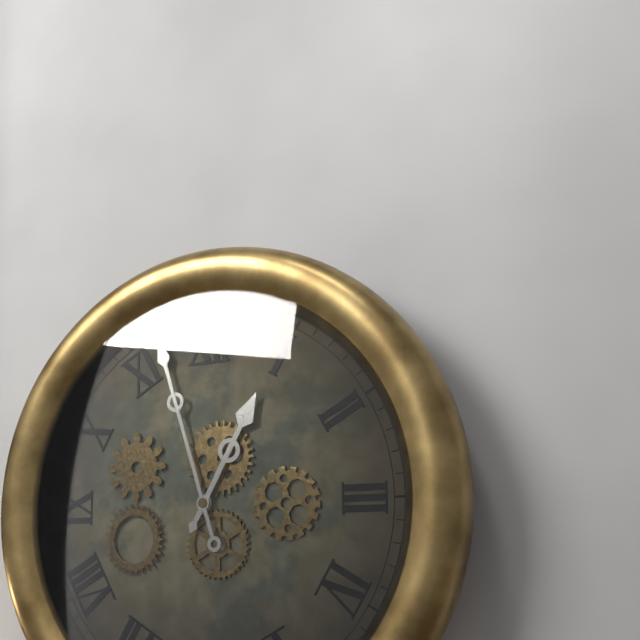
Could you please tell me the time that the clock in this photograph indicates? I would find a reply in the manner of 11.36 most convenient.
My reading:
12.57
